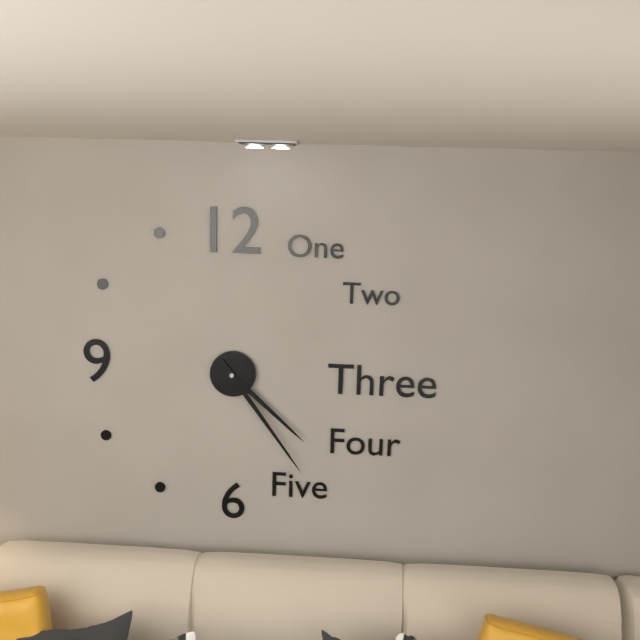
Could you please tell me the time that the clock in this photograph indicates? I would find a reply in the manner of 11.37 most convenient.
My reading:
4.24
